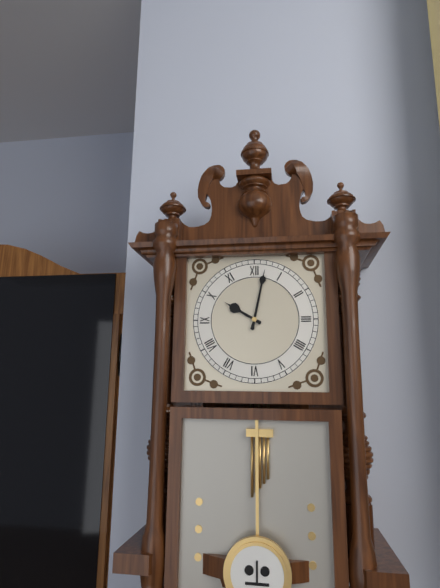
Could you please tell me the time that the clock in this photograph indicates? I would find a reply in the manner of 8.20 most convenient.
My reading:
10.02
